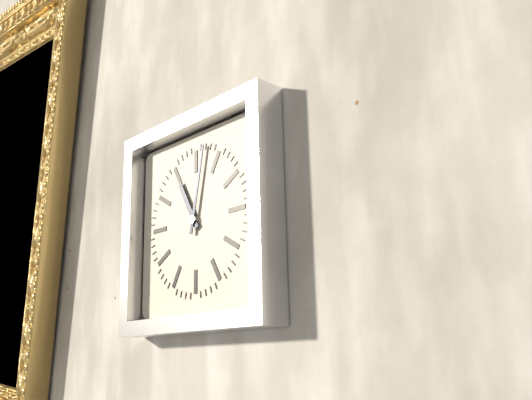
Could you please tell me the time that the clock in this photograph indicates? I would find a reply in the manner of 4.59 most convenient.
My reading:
11.02
